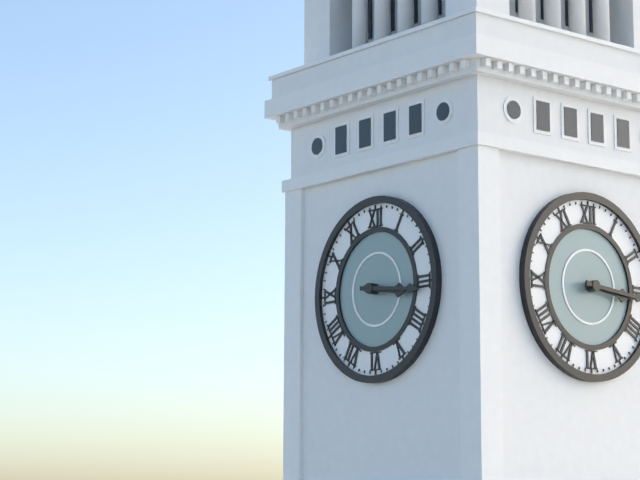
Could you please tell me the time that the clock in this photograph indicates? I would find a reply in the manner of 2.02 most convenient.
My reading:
3.16
